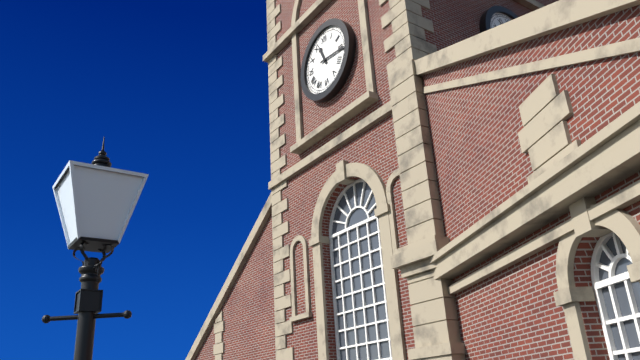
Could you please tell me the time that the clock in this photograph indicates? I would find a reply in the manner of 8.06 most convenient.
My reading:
11.16
